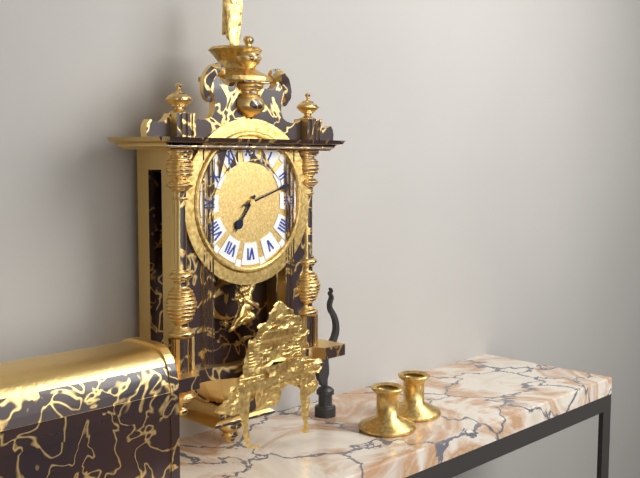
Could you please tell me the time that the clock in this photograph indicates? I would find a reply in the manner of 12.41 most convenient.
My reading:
7.12
